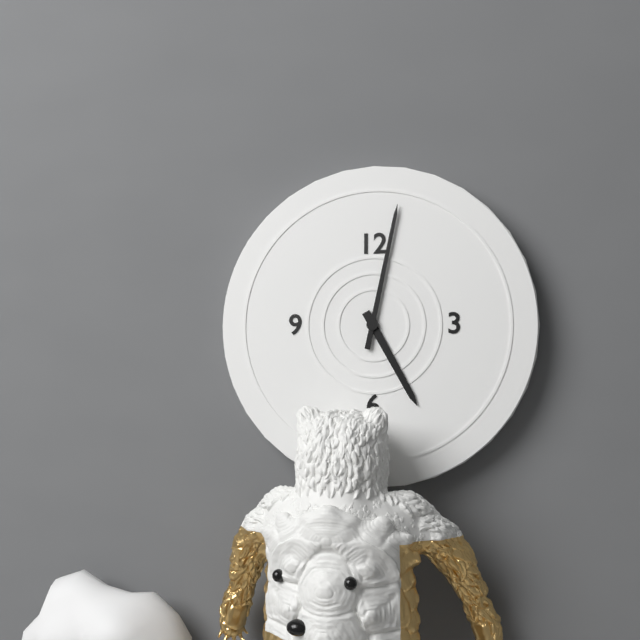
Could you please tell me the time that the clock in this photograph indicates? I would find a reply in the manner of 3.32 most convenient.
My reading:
5.02
